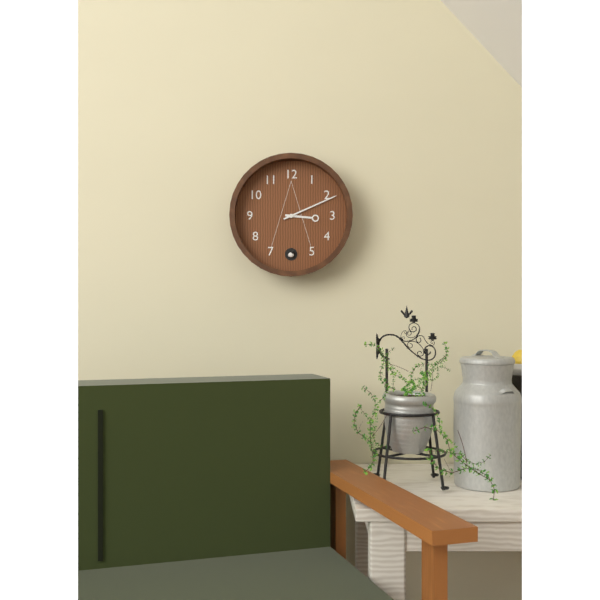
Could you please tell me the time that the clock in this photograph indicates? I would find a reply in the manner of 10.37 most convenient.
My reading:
3.11
